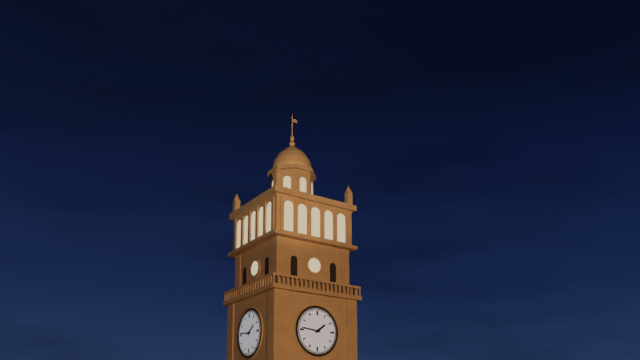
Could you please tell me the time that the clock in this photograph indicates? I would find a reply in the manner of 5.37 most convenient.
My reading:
1.46
